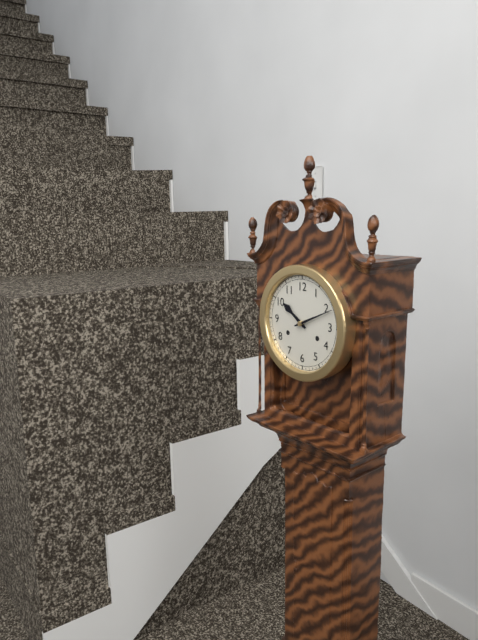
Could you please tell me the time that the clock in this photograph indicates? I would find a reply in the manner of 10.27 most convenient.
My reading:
10.11
